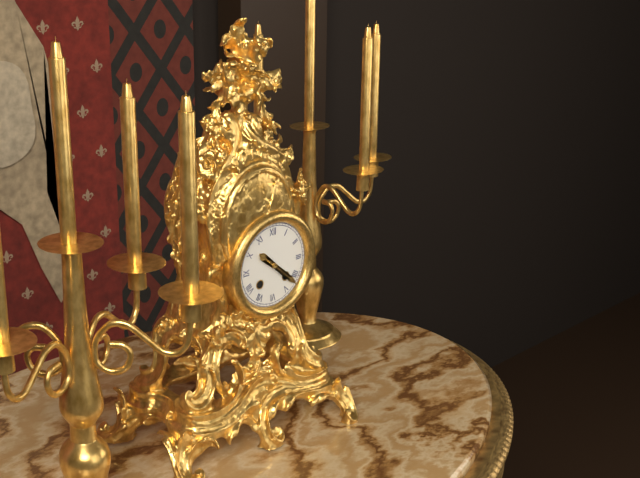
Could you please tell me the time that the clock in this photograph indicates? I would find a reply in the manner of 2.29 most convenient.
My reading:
10.22
